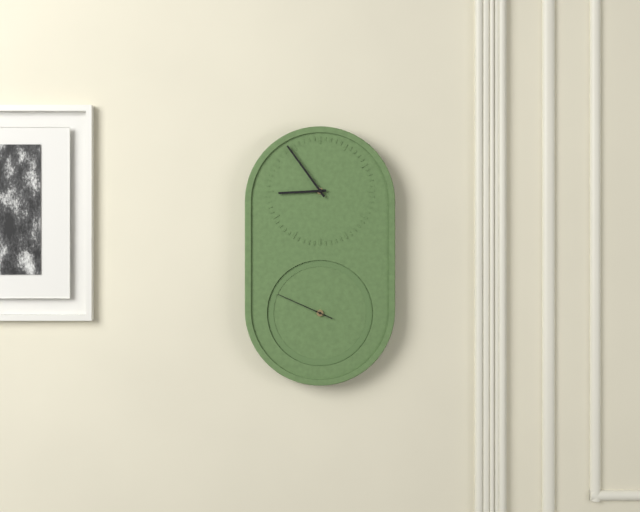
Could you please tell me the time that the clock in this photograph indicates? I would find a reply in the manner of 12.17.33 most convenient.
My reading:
8.54.49
